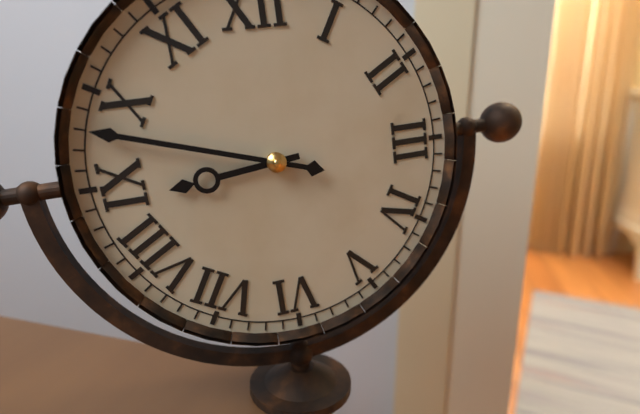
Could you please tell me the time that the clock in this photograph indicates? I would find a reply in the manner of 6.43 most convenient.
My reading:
8.48
